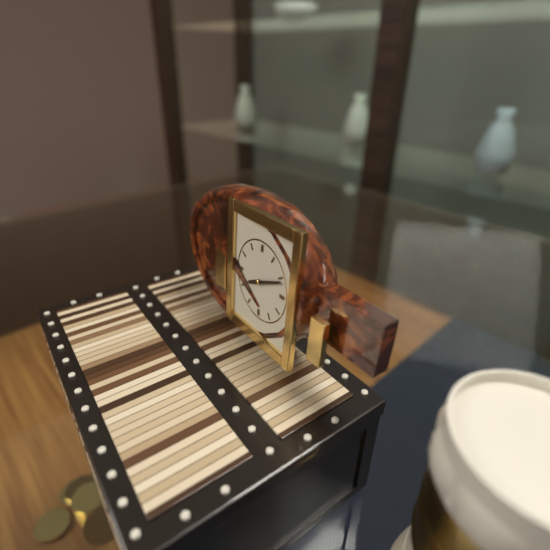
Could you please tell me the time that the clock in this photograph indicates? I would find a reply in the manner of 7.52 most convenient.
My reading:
8.11
